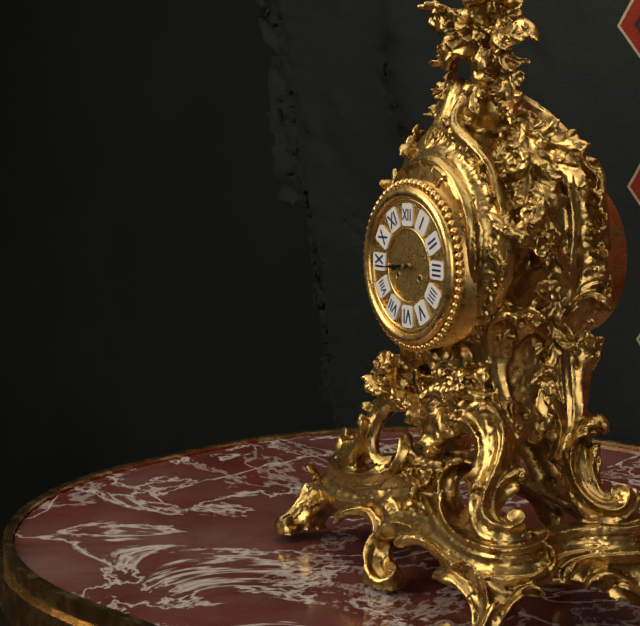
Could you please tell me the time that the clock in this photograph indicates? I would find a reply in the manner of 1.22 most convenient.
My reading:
8.44
